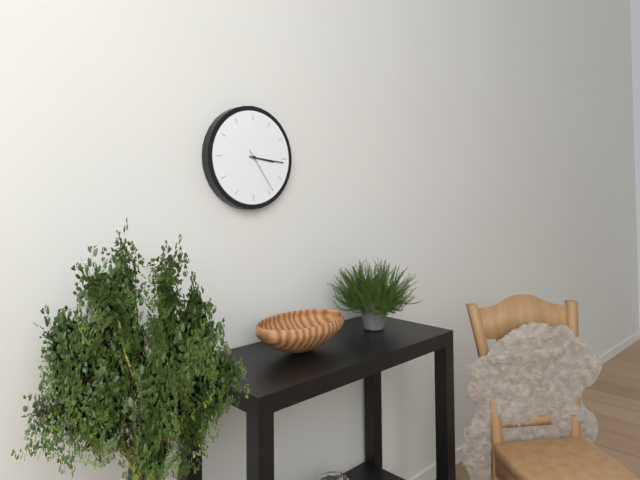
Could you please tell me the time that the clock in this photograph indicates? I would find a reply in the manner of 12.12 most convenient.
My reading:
3.16
